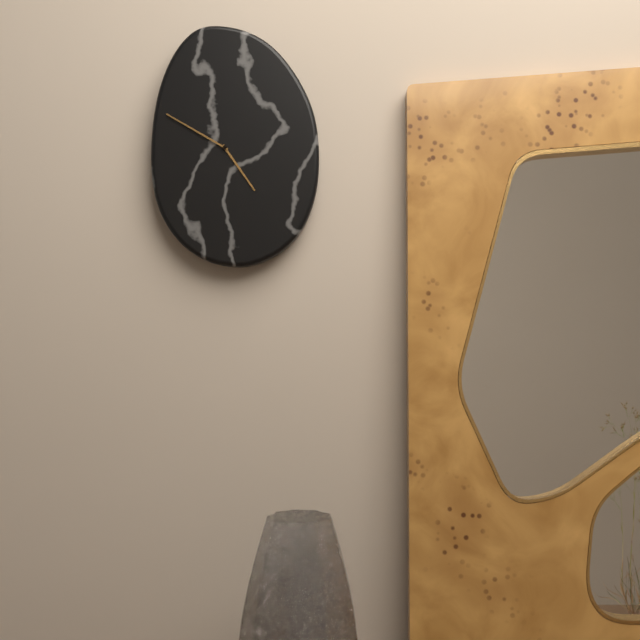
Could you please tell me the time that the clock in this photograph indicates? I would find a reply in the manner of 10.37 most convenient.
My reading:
4.50
